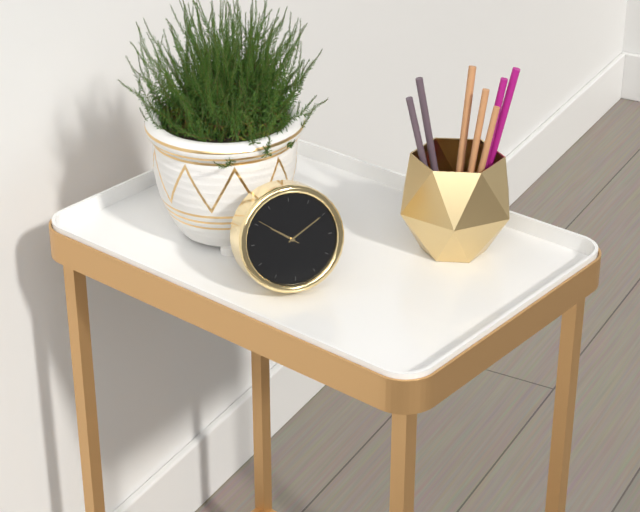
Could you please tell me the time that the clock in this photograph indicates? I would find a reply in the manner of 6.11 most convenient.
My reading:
10.10
